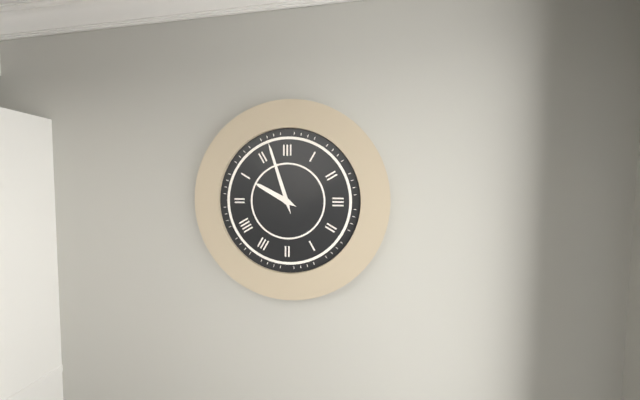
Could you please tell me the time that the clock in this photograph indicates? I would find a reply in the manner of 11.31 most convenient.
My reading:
9.57
